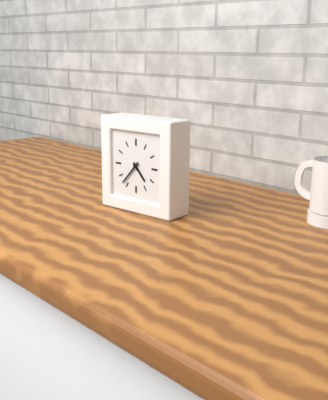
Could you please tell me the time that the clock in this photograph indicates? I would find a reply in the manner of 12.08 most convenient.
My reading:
4.37
